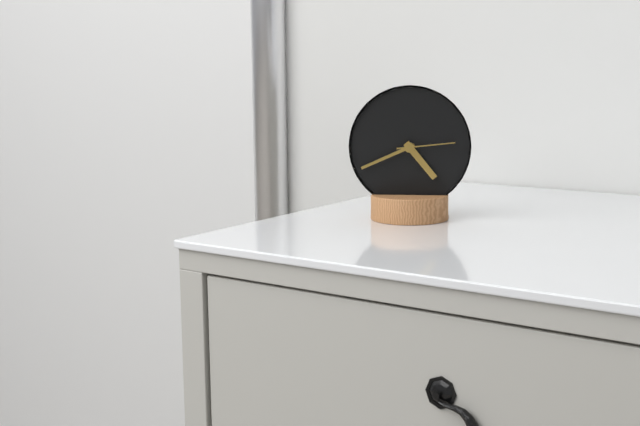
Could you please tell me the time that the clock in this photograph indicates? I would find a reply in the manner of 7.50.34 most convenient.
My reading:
4.41.14
